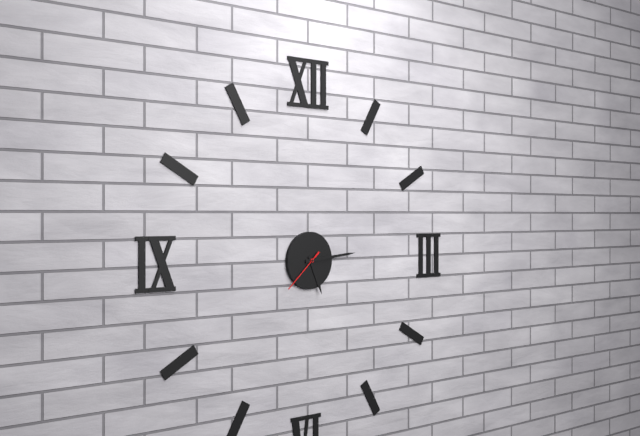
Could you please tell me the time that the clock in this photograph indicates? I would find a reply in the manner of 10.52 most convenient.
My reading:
5.14
